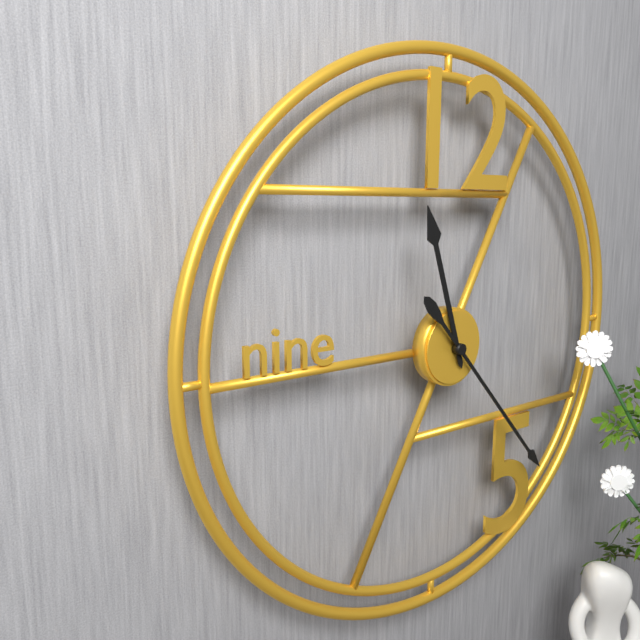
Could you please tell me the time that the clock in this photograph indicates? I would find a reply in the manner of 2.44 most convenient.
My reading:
11.23
